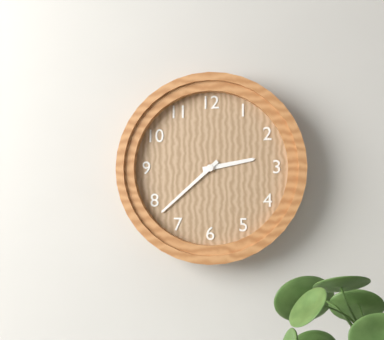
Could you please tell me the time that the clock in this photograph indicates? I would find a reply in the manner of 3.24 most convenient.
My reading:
2.38
